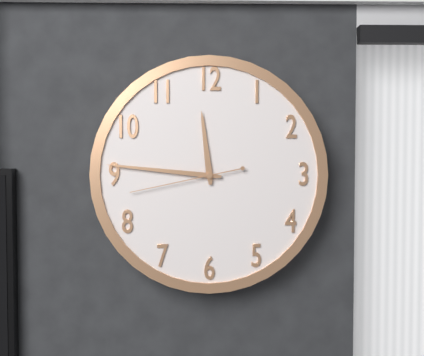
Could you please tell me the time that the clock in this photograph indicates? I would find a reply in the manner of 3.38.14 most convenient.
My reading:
11.46.43
